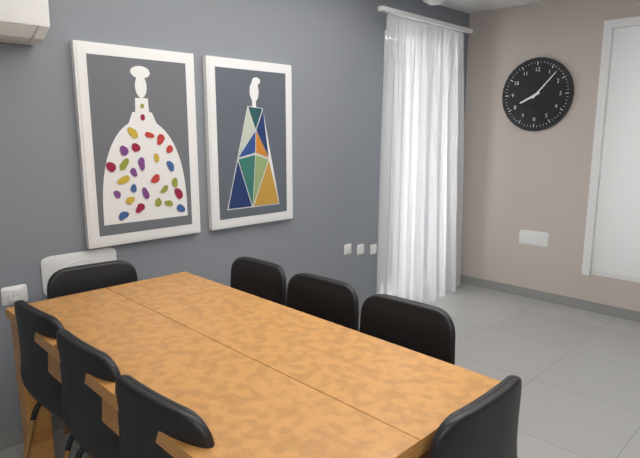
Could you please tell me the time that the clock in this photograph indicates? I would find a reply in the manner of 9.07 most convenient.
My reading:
8.07
